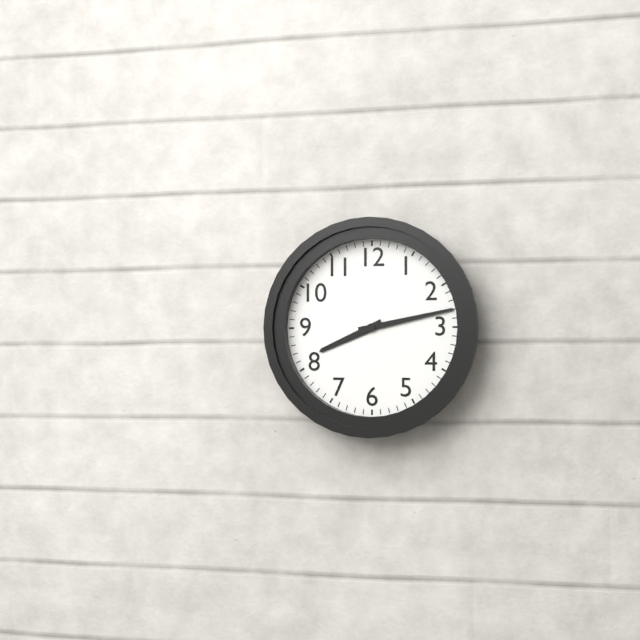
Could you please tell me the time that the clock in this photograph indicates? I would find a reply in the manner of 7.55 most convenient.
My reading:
8.13
